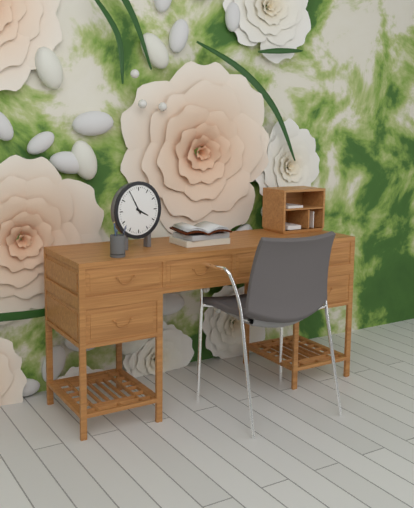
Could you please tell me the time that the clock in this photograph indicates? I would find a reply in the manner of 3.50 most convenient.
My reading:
3.55
